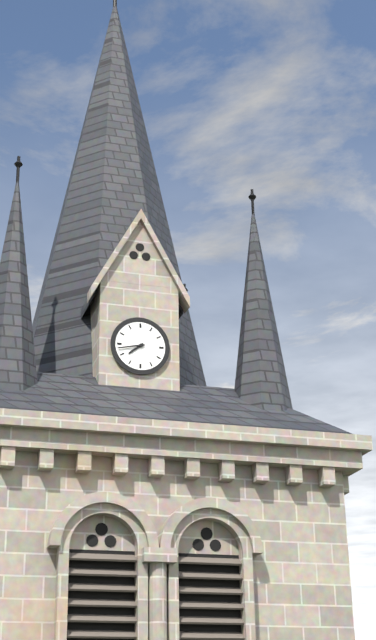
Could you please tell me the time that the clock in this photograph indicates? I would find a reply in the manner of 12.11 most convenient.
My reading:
7.43
